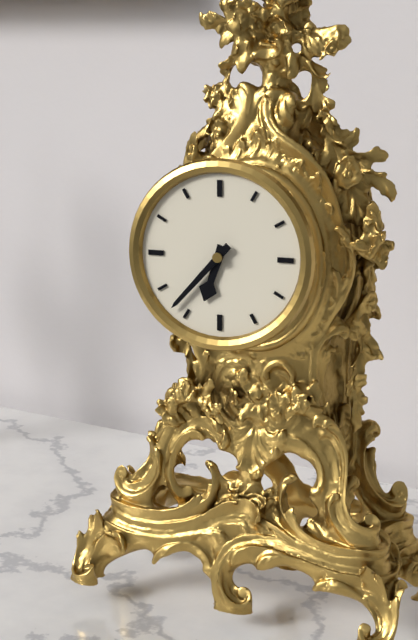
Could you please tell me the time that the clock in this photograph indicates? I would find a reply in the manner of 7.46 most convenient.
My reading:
6.37
